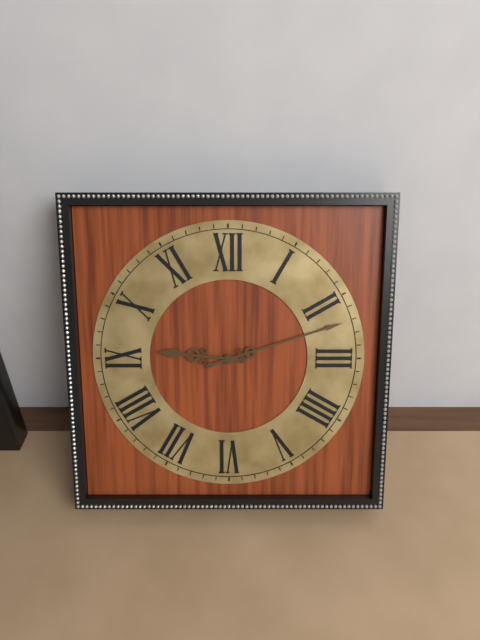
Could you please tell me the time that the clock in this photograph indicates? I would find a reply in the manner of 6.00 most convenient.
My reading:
9.12
